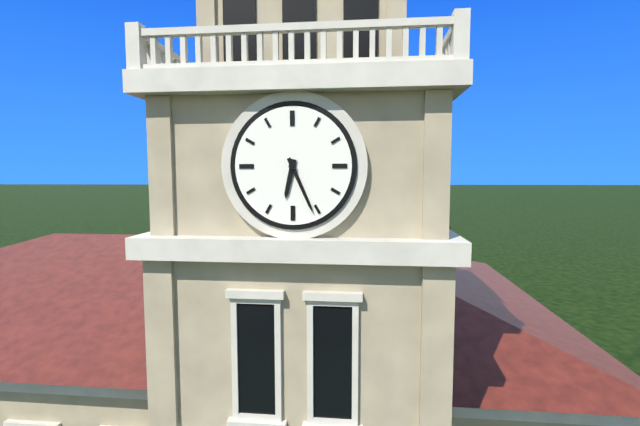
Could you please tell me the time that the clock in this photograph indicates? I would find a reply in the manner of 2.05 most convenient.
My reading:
6.26
